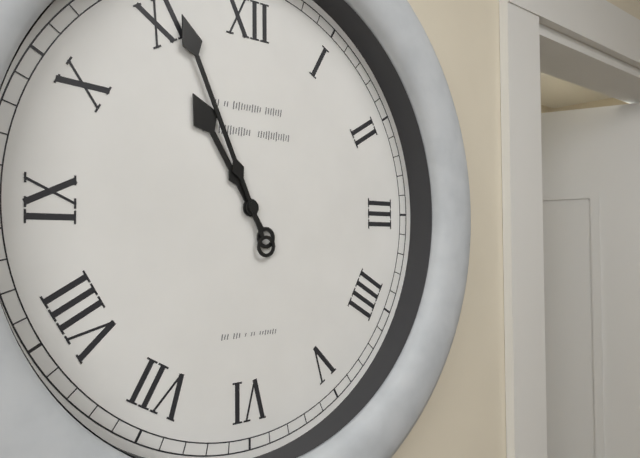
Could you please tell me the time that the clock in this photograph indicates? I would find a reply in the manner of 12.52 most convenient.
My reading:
10.56
